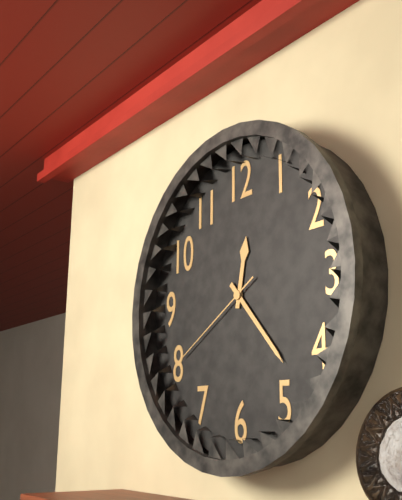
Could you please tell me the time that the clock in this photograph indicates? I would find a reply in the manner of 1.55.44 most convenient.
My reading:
12.23.40
